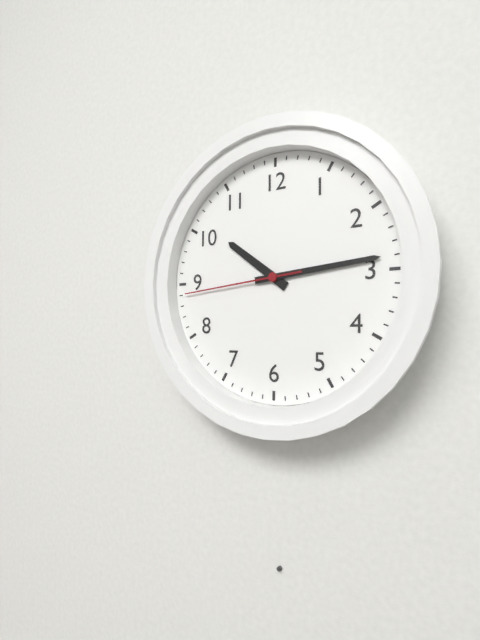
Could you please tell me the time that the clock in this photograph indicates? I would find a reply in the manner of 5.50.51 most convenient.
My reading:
10.14.44
